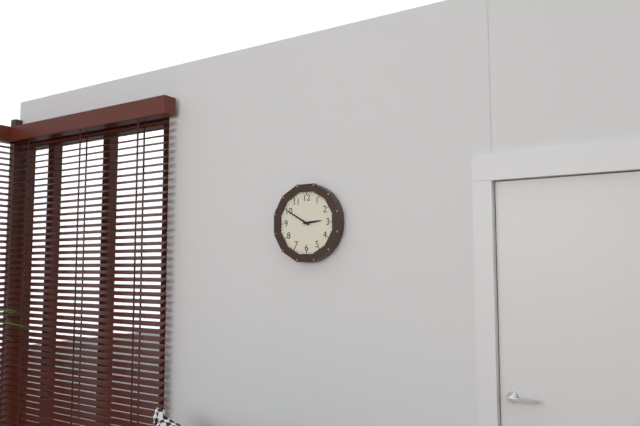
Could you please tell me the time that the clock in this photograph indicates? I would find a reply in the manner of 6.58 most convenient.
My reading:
2.50
